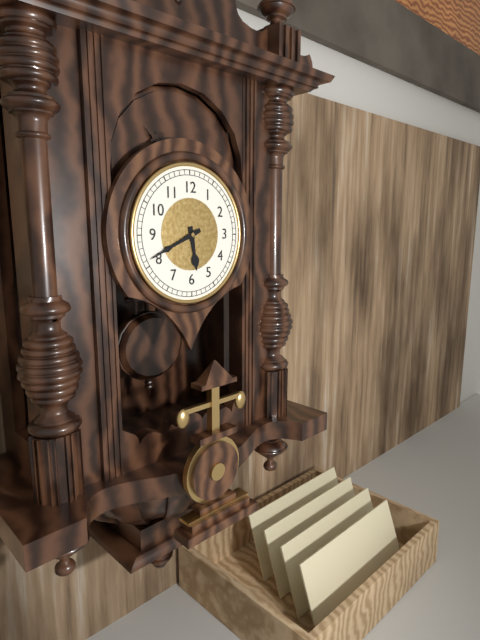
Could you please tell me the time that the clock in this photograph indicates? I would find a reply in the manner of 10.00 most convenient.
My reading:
5.41
